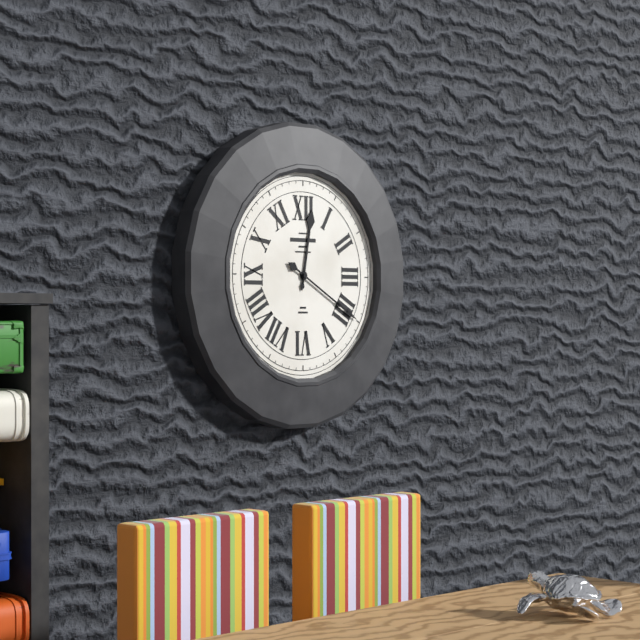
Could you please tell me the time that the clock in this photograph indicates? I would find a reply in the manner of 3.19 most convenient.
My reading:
12.20
